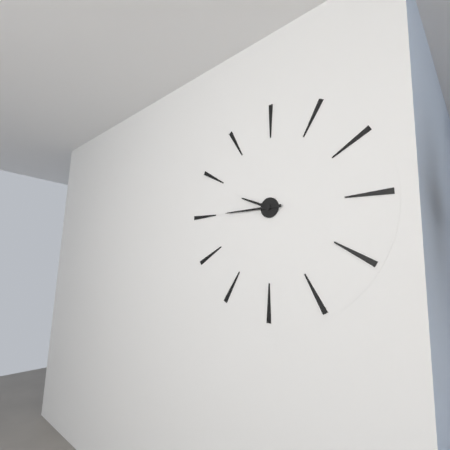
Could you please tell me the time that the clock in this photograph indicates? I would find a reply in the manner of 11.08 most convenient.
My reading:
9.45
